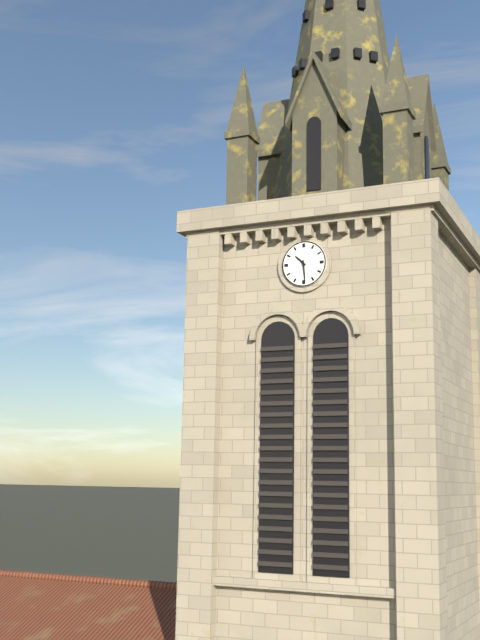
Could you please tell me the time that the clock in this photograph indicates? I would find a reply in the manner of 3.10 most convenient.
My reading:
10.29
